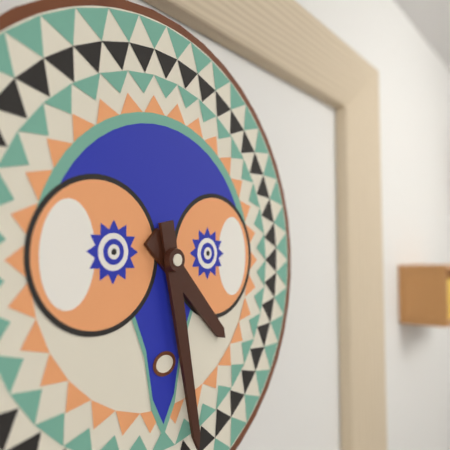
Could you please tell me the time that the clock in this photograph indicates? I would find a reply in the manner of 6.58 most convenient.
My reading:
4.28
